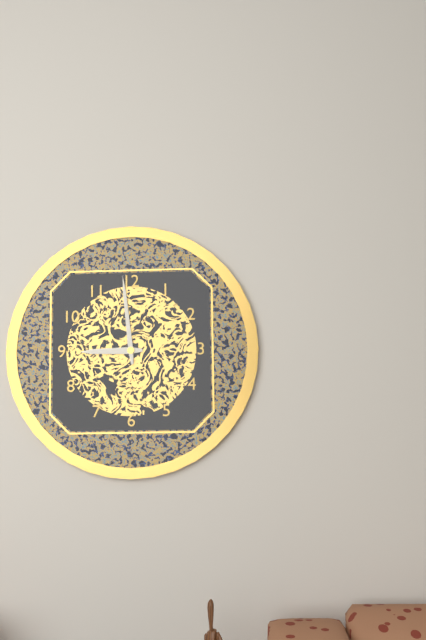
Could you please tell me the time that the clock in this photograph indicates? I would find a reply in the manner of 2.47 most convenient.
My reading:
8.59
